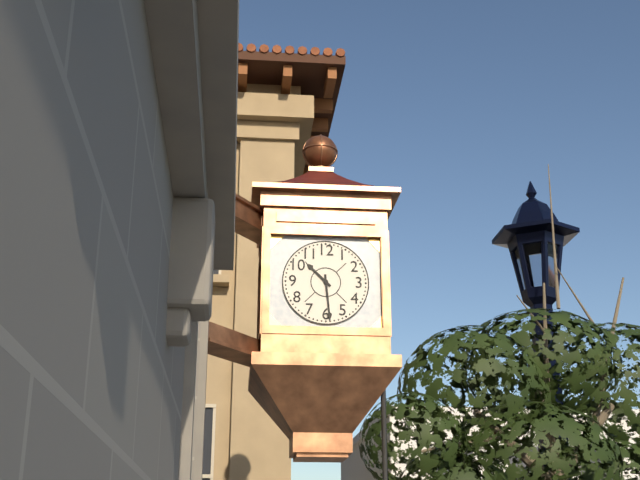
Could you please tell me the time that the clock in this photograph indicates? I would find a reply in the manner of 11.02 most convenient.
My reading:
10.29
